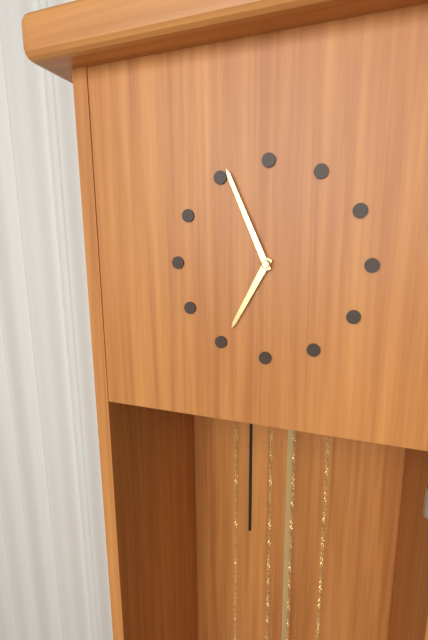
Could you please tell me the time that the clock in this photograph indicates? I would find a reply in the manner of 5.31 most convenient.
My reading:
6.56
